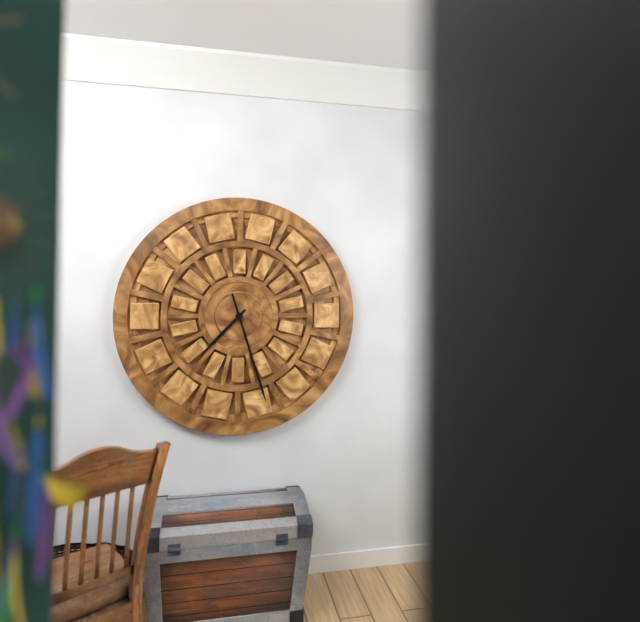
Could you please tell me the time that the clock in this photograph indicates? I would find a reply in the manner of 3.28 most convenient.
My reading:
7.27
